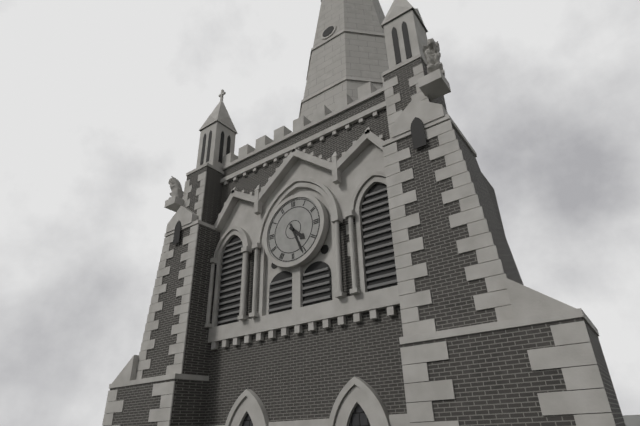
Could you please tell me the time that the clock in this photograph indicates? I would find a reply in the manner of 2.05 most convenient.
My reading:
4.26
